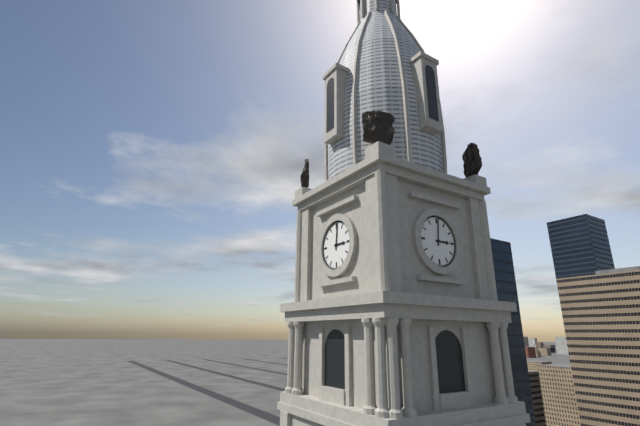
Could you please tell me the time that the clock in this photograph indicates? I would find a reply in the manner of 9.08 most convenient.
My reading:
3.01
